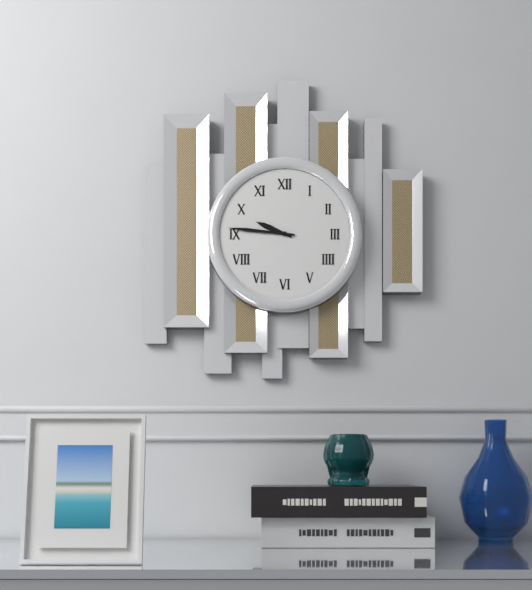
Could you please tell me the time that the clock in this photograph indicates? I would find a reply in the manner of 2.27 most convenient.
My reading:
9.46
